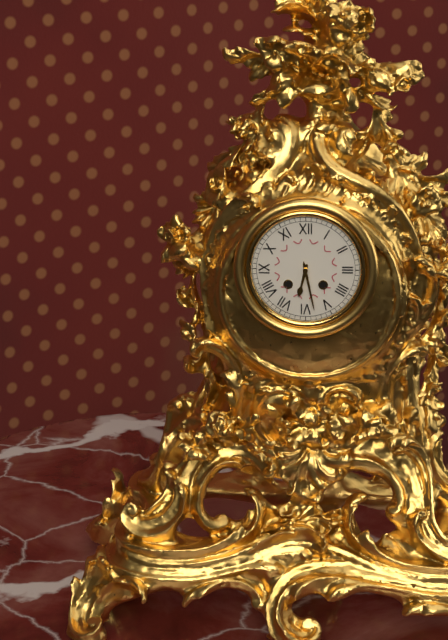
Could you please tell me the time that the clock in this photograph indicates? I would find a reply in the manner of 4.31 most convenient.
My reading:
6.28
